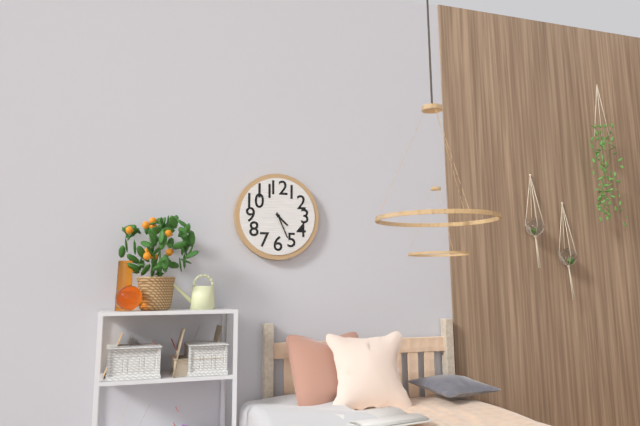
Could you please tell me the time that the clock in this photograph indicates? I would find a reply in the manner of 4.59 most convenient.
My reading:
4.26
